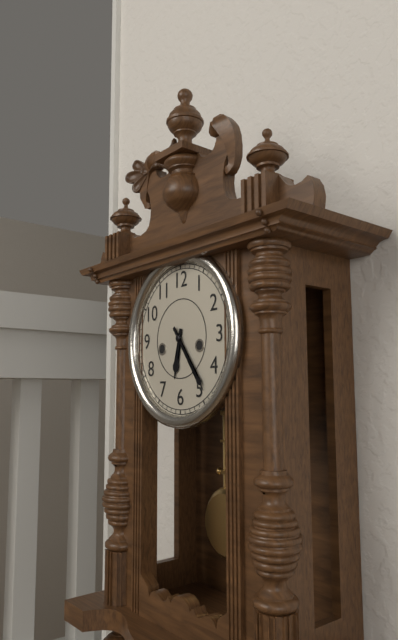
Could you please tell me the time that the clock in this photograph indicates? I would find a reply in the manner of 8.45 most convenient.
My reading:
6.24
